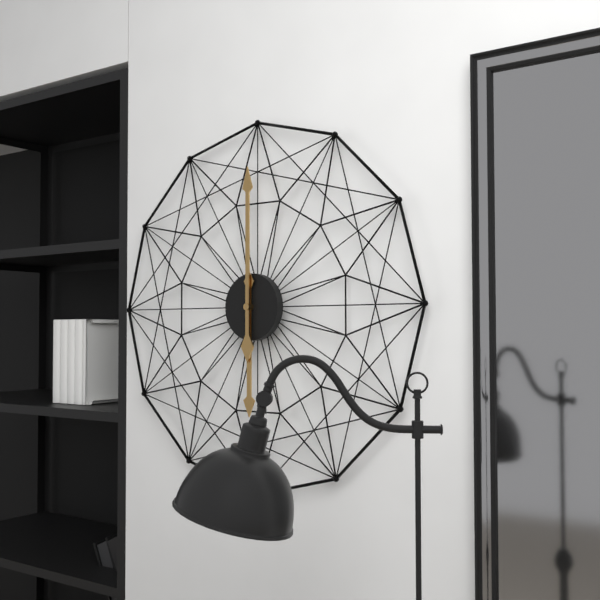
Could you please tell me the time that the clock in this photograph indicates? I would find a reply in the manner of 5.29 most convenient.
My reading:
6.00
